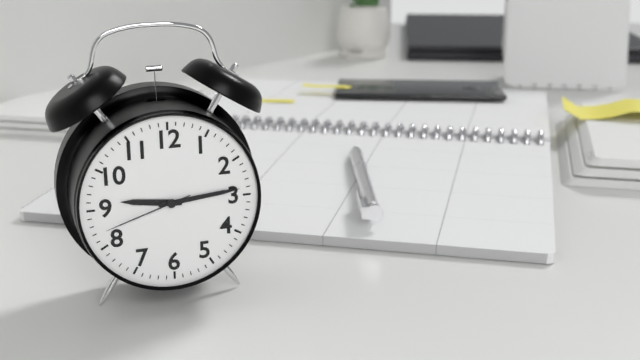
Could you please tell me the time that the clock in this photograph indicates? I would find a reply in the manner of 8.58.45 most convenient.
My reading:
9.14.42
